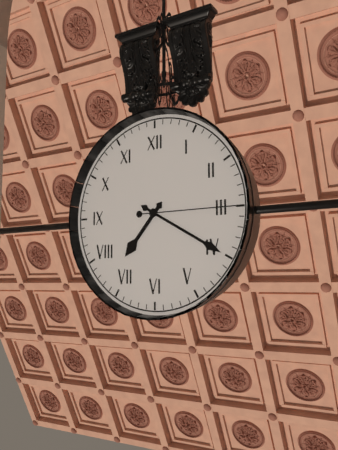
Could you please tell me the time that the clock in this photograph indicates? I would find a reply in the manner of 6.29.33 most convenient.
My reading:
7.20.15
